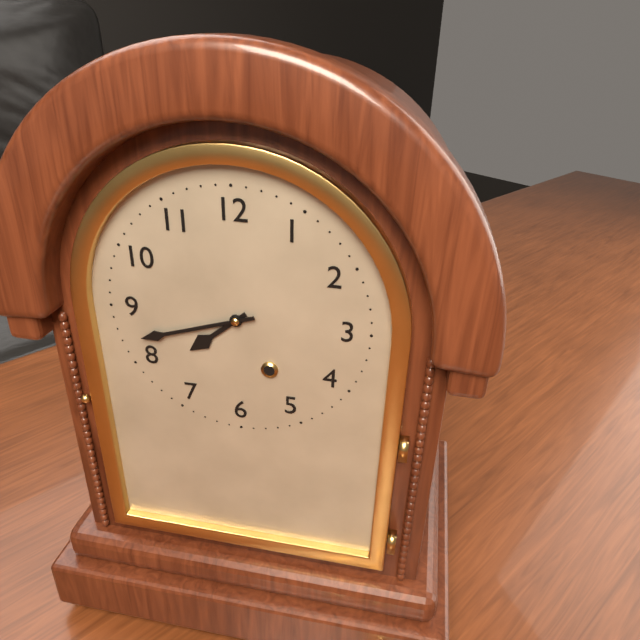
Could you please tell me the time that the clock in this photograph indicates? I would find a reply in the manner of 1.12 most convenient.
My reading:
7.42
